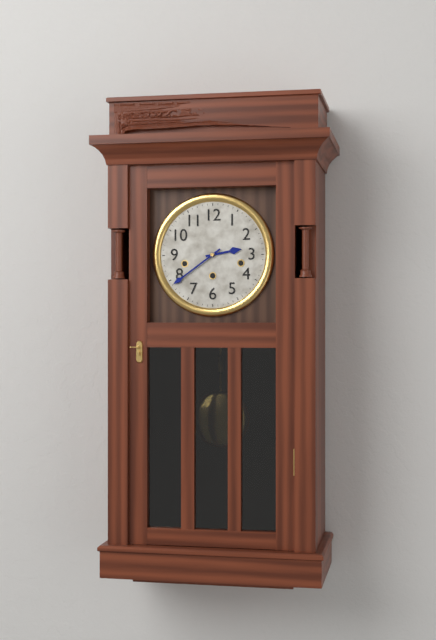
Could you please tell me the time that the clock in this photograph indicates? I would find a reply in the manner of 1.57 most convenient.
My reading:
2.39
